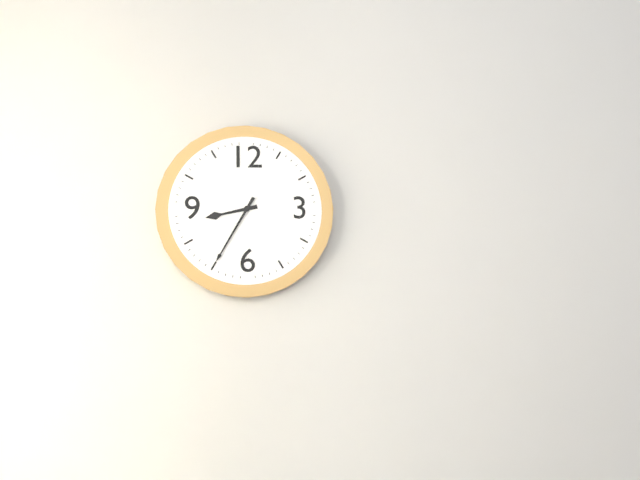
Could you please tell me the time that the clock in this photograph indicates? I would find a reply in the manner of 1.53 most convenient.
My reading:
8.35
